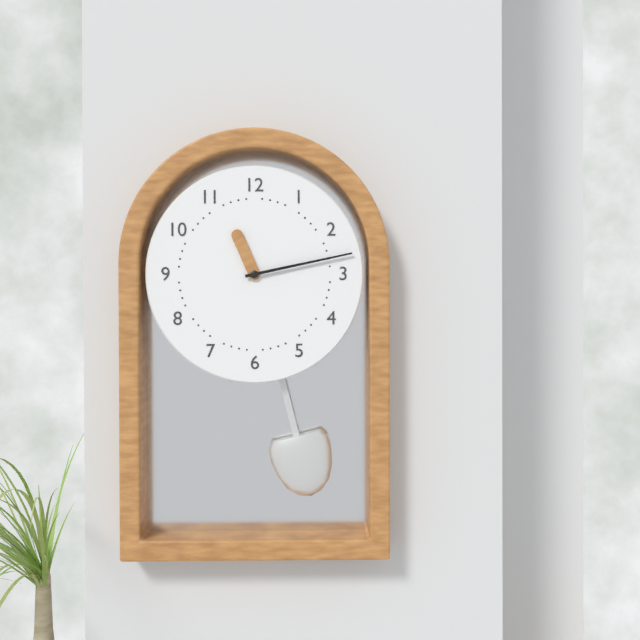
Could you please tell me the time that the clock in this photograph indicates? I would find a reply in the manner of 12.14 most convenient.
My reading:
11.13
